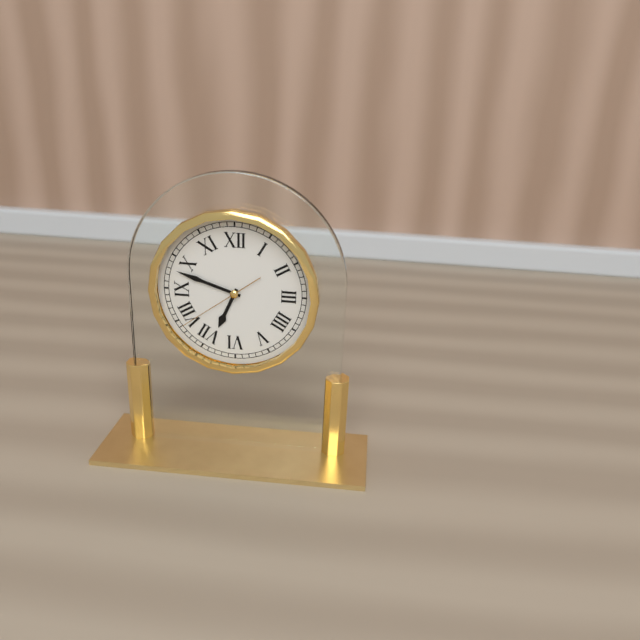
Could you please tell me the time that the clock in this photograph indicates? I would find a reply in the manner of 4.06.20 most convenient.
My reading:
6.48.39
